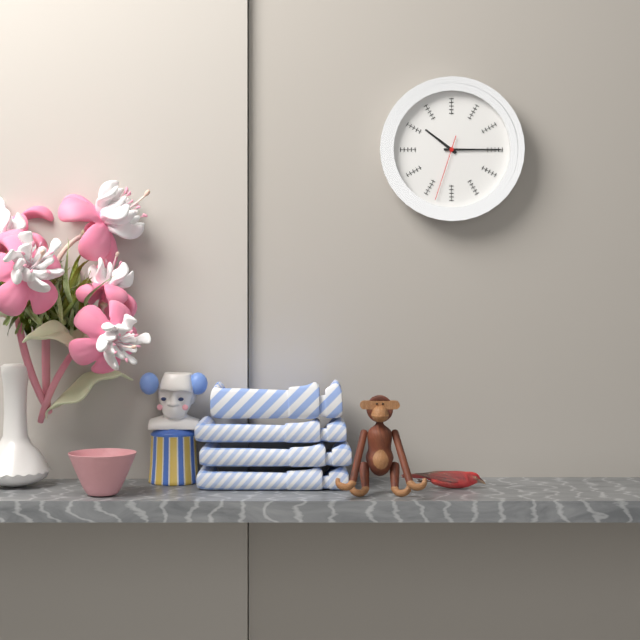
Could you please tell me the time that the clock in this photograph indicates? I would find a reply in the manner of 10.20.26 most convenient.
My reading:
10.15.33
